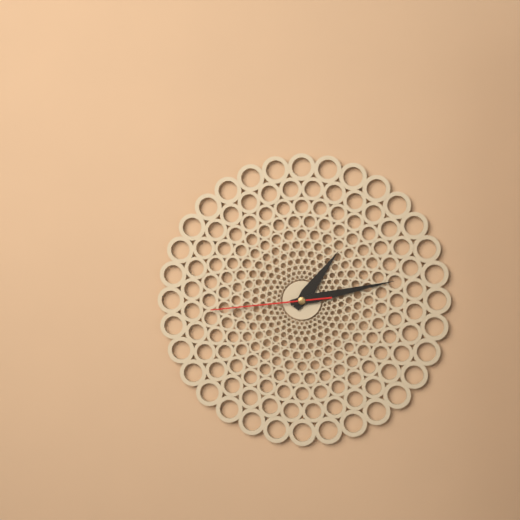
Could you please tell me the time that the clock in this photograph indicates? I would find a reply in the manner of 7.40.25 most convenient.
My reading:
1.13.44
